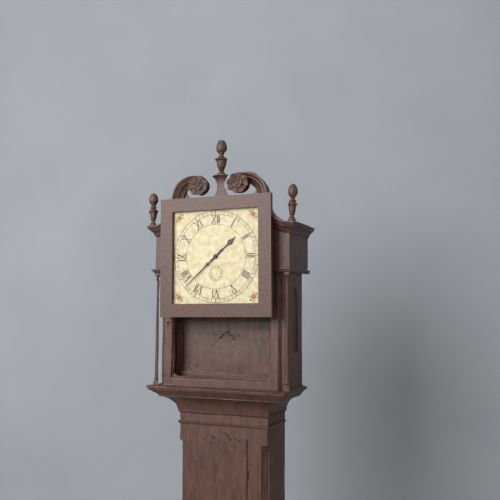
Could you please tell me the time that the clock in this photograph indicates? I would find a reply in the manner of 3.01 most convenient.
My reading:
1.38
